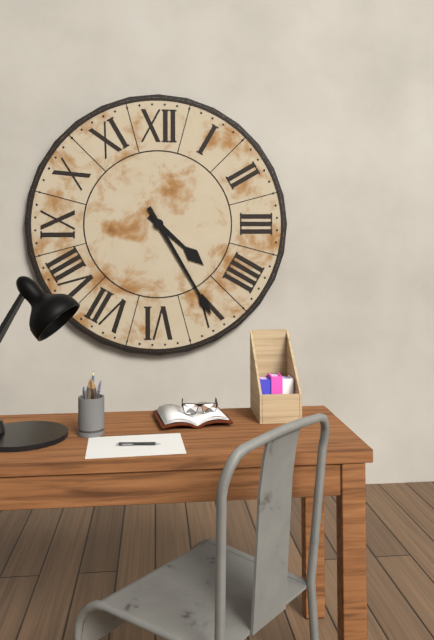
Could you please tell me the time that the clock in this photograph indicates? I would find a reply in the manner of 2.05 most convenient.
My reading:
4.25
